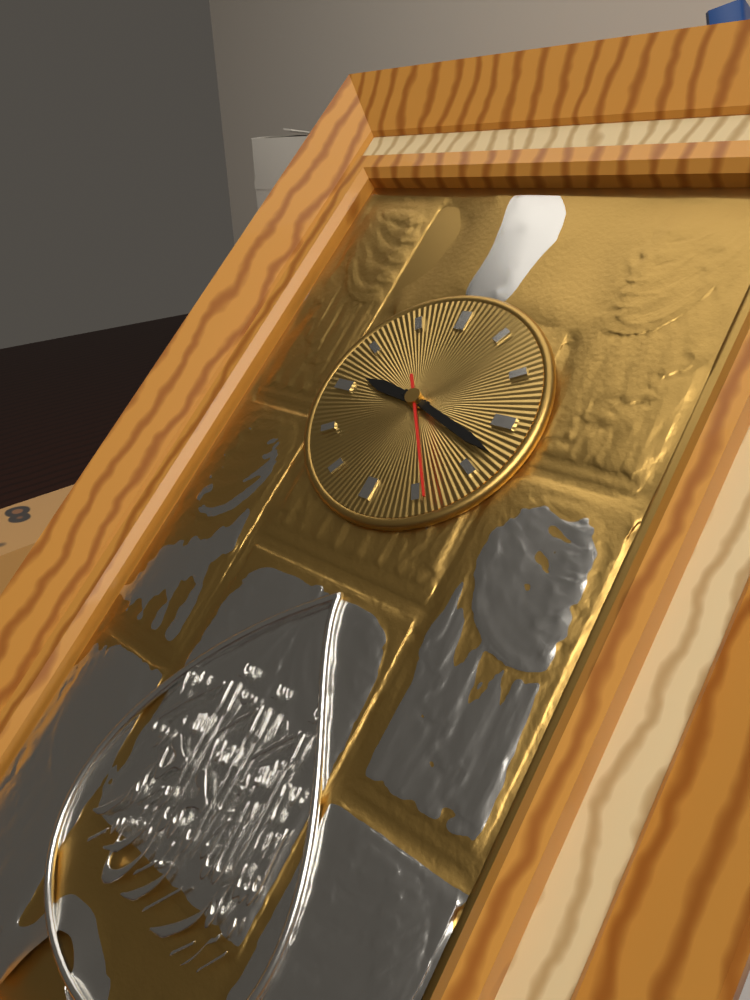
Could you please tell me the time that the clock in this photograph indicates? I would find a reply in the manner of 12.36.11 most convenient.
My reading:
9.18.24
